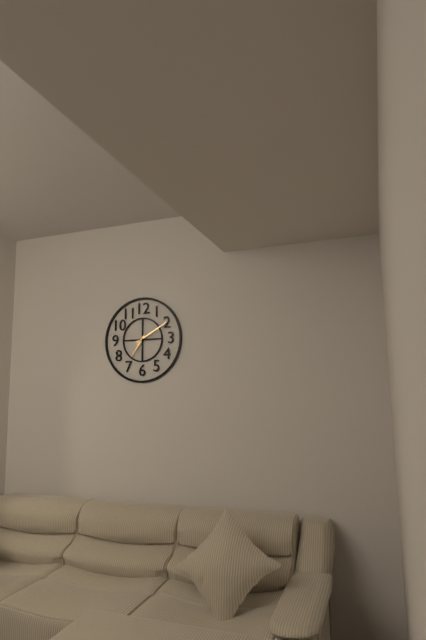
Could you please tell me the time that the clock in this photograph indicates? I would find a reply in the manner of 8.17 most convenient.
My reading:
7.10
